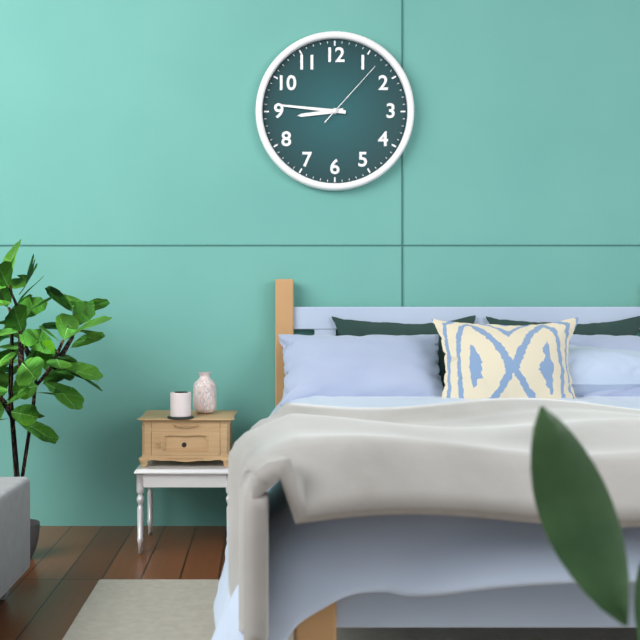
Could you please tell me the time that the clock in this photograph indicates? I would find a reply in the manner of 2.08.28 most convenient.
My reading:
8.46.07
